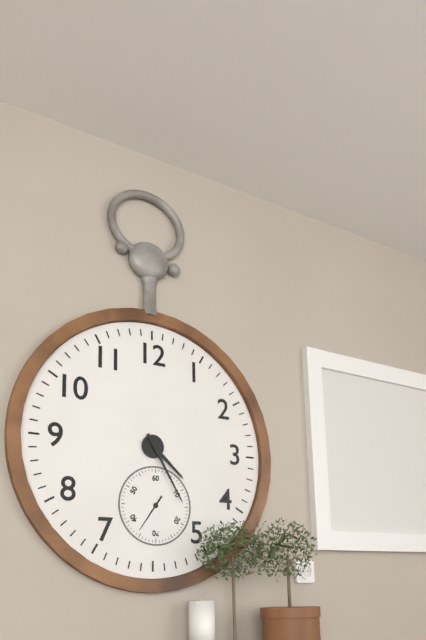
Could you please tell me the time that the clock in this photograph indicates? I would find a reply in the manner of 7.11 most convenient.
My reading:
4.25
